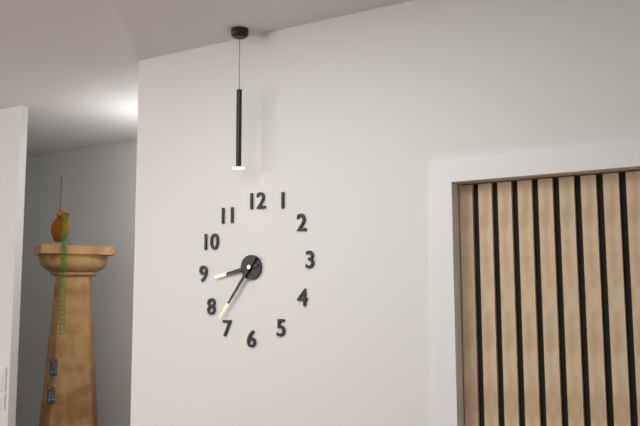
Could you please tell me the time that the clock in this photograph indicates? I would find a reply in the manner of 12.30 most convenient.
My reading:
8.36
